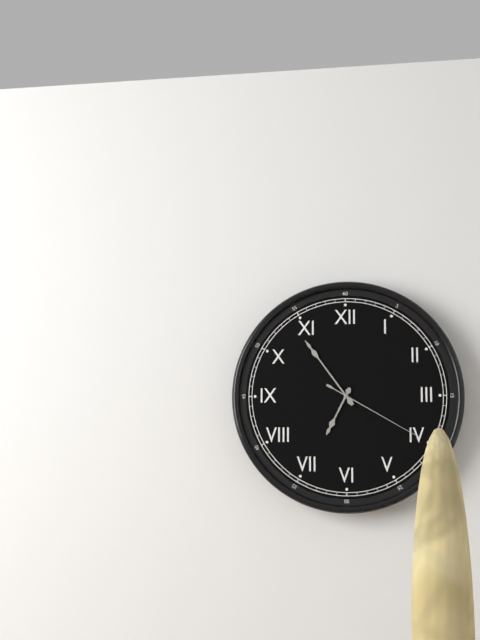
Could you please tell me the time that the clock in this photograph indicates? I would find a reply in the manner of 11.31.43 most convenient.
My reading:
6.54.20
